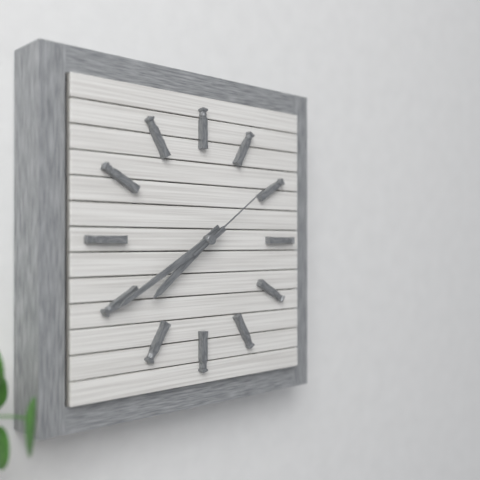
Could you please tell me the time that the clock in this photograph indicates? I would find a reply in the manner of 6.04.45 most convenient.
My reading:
7.40.09
